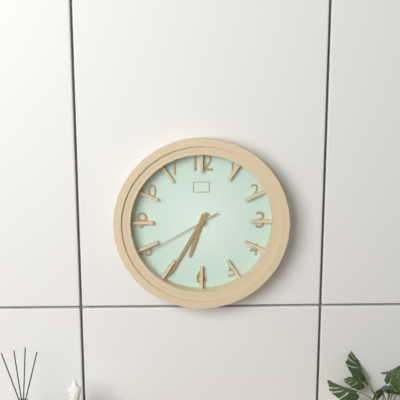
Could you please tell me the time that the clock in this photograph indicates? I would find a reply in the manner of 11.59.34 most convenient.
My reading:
6.35.40
